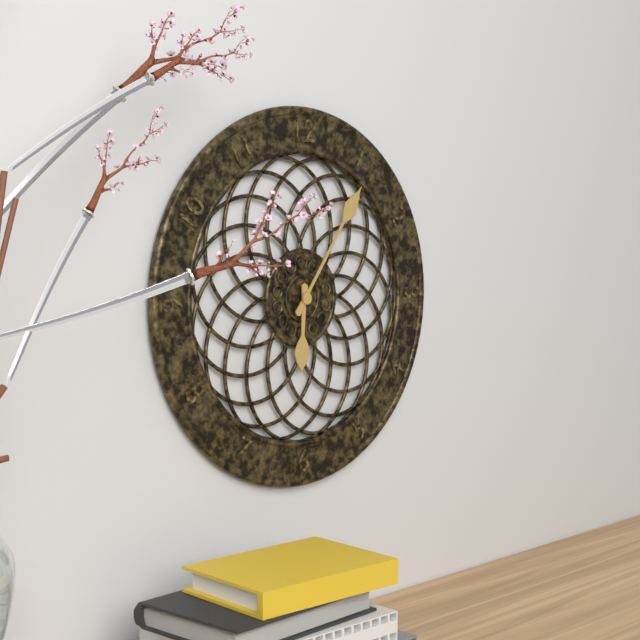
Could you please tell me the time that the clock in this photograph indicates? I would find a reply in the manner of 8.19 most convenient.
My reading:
6.06
